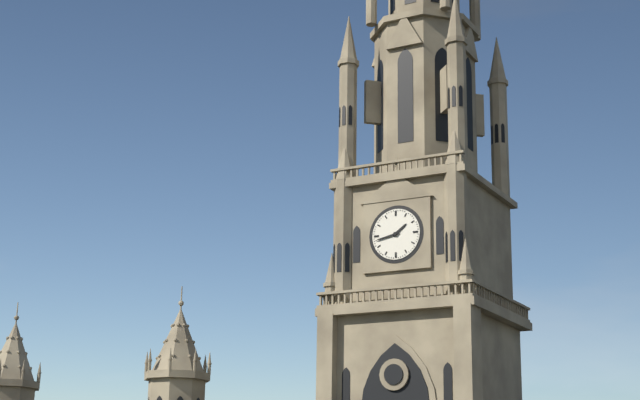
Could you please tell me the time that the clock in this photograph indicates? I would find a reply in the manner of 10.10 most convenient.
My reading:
1.43
